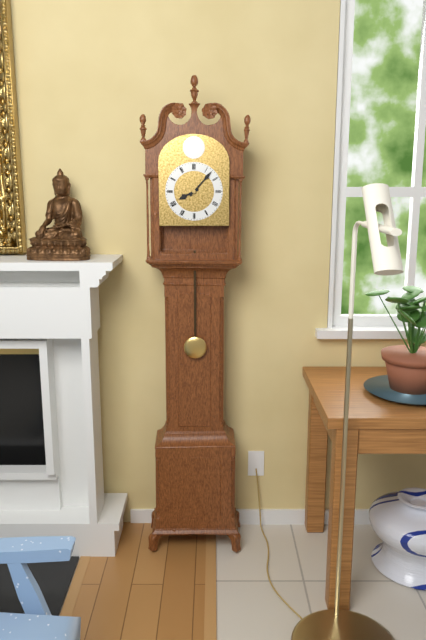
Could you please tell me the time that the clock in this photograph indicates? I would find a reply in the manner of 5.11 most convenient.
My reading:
8.07
